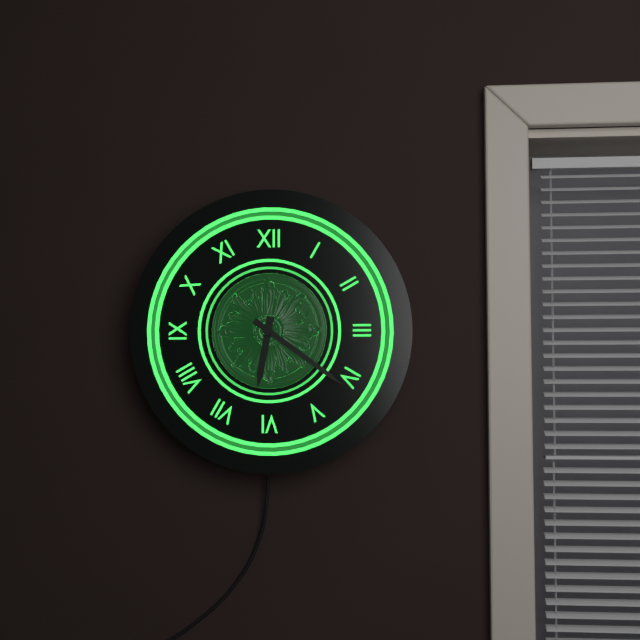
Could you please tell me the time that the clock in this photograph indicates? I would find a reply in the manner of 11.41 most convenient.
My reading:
6.21
